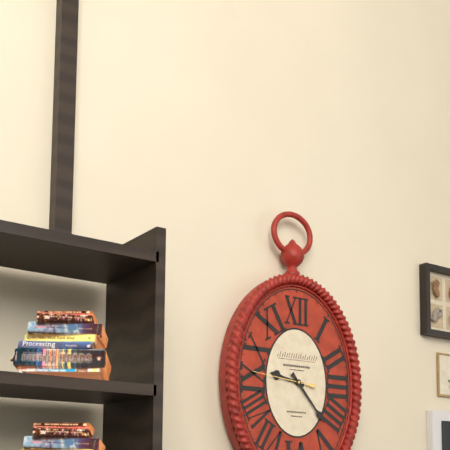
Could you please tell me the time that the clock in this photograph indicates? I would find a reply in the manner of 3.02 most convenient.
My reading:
9.23
